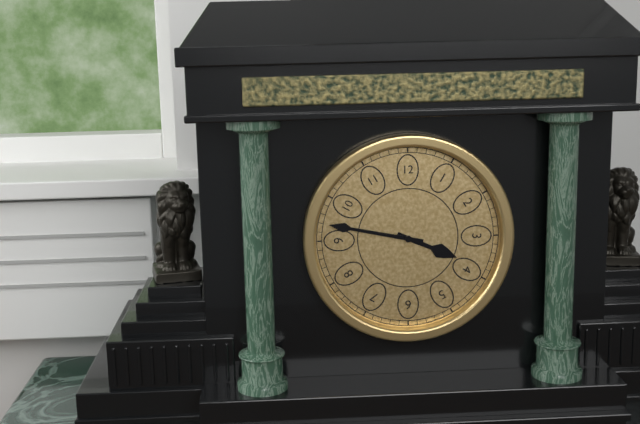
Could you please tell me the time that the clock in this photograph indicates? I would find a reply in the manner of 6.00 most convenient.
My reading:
3.47
